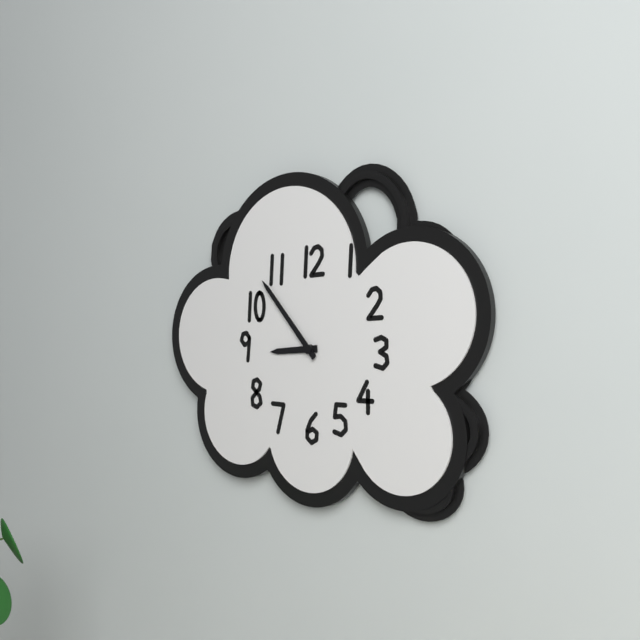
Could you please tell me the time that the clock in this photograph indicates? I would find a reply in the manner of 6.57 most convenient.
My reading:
8.53
